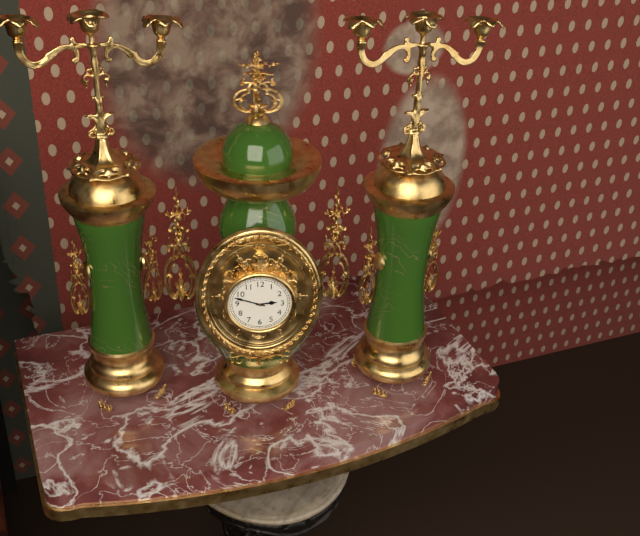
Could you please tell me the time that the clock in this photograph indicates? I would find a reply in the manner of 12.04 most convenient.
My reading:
2.48
